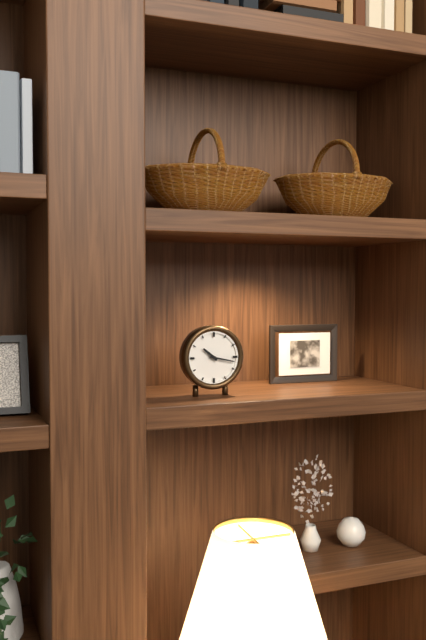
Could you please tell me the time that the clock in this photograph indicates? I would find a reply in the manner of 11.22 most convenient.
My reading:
10.17
